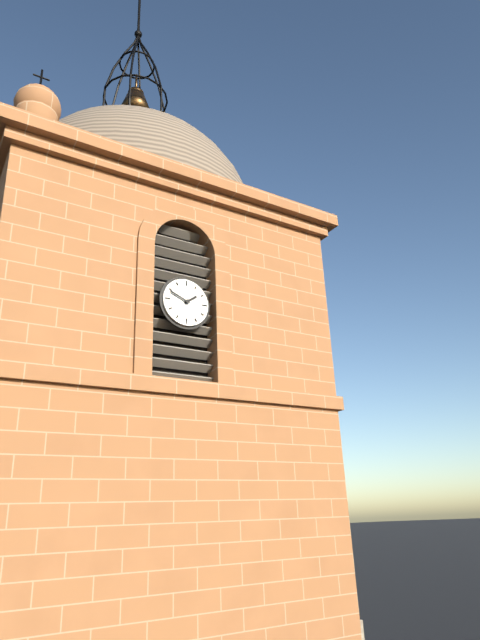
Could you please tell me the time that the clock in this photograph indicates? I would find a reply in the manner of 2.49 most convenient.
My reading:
1.49
